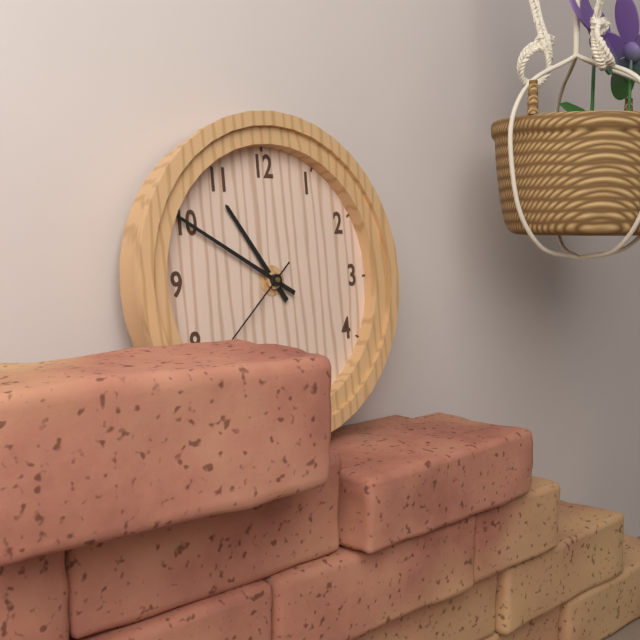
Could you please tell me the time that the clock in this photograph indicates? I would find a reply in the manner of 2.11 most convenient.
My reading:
10.50
